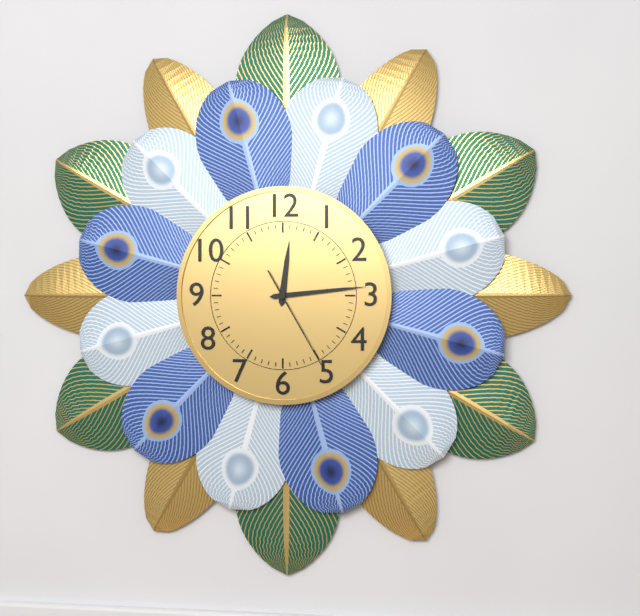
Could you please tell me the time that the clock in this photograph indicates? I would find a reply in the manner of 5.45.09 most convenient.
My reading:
12.14.25
